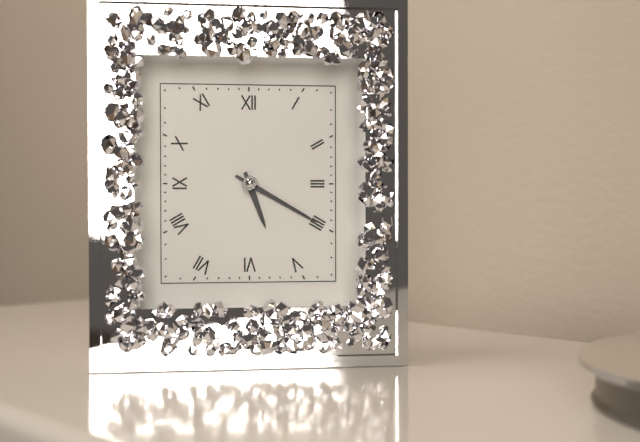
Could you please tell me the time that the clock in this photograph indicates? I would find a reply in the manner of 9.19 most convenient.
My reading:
5.20
